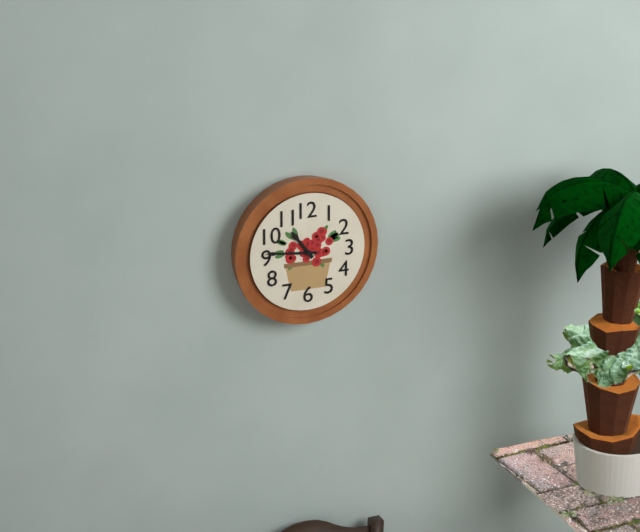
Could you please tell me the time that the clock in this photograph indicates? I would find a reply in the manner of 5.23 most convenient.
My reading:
10.46
